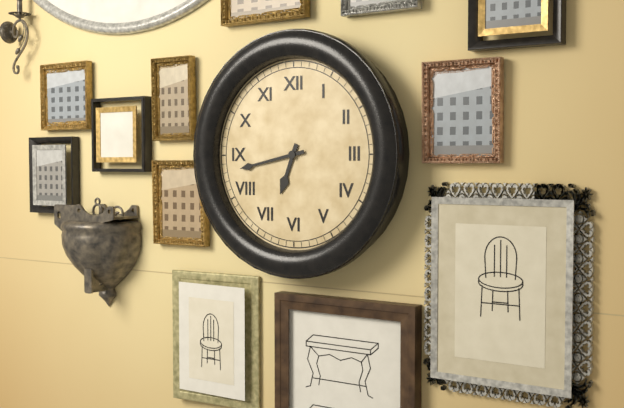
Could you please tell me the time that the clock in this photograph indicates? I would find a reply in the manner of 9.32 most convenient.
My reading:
6.43
